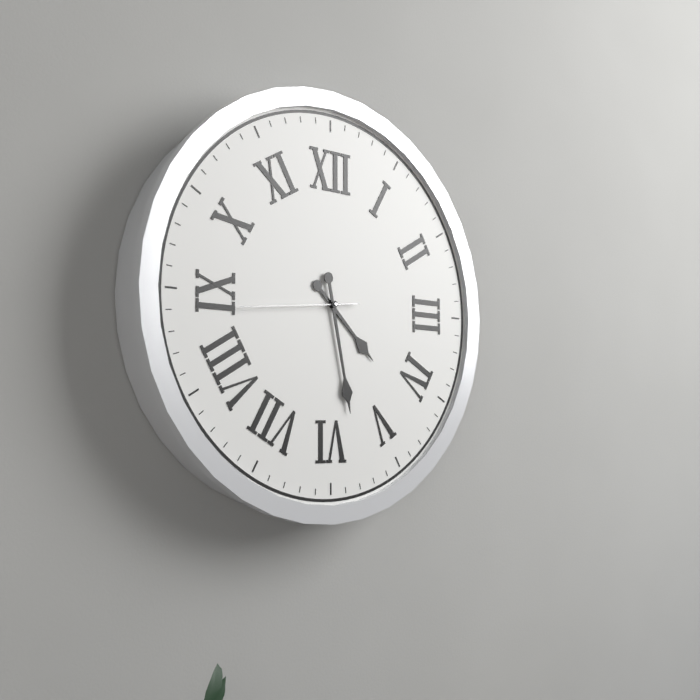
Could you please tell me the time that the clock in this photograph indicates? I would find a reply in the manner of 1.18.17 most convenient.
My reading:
4.28.44
